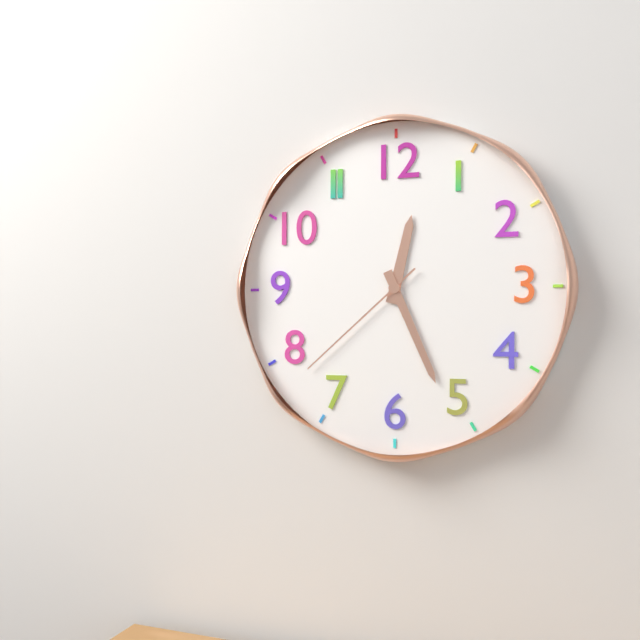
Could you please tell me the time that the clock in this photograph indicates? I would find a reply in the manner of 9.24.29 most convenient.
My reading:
12.26.38
